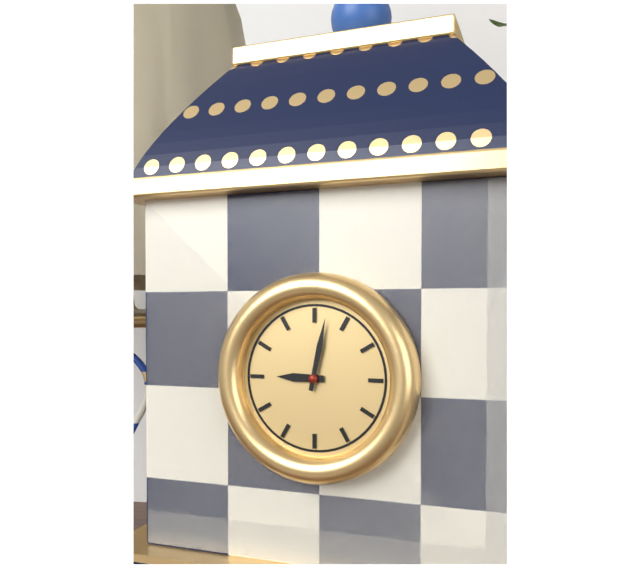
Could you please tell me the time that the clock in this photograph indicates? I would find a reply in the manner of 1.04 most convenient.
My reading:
9.02
